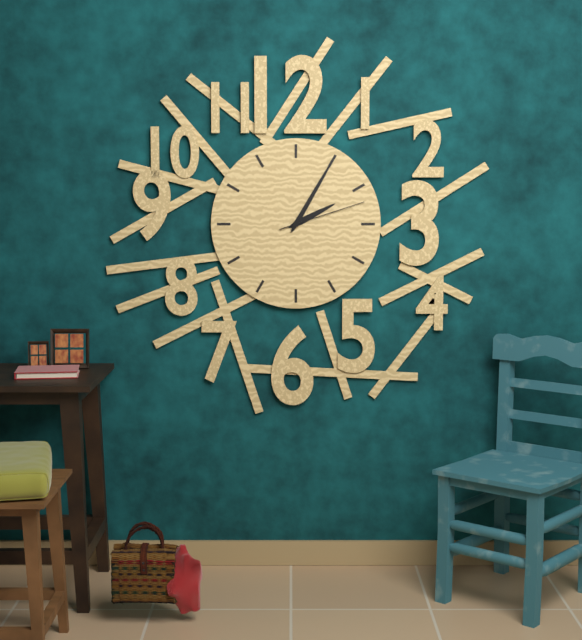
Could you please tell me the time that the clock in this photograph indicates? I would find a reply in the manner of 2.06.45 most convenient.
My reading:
2.05.12
